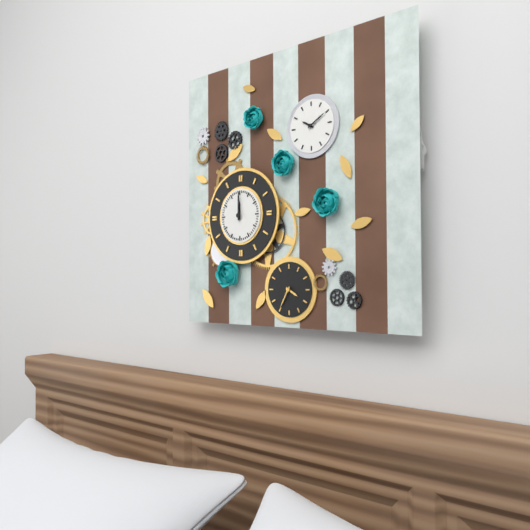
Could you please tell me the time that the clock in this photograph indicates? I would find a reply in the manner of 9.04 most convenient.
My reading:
12.00
